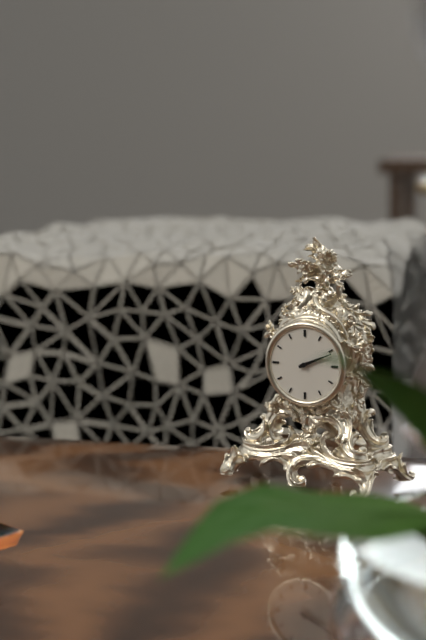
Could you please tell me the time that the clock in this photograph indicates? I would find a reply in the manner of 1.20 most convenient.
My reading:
2.11
